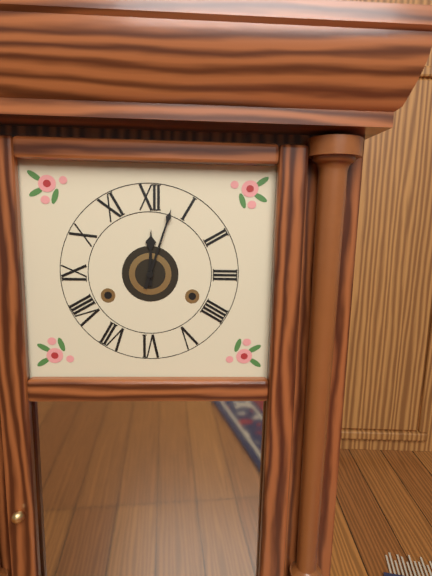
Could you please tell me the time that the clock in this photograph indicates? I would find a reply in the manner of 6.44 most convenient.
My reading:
12.03
